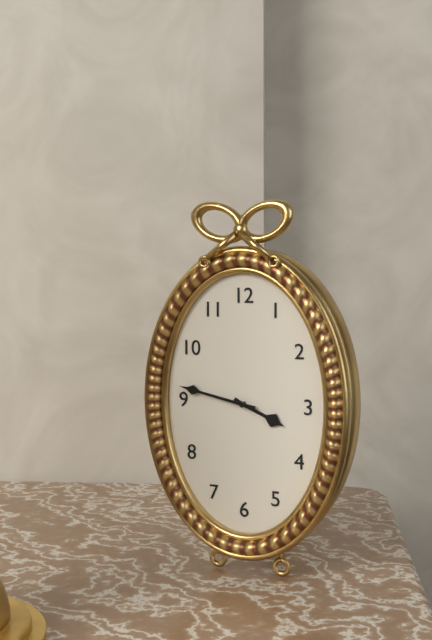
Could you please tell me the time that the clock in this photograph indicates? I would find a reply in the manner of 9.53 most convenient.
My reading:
3.47
